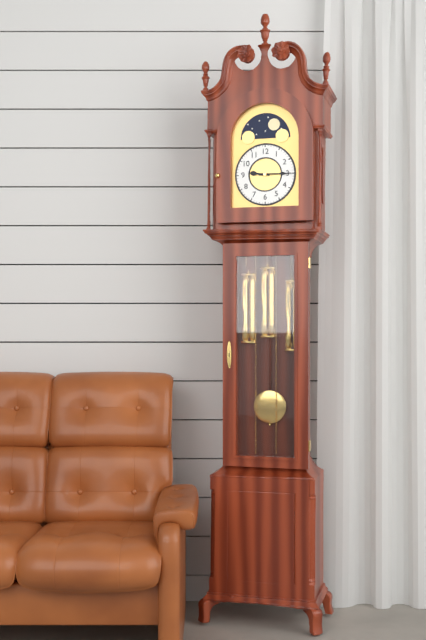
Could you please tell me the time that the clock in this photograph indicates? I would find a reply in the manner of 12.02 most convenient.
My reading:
9.15
